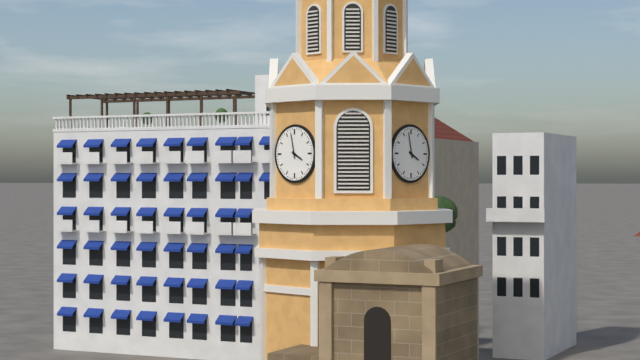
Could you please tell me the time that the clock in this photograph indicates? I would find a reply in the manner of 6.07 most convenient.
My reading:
3.58
